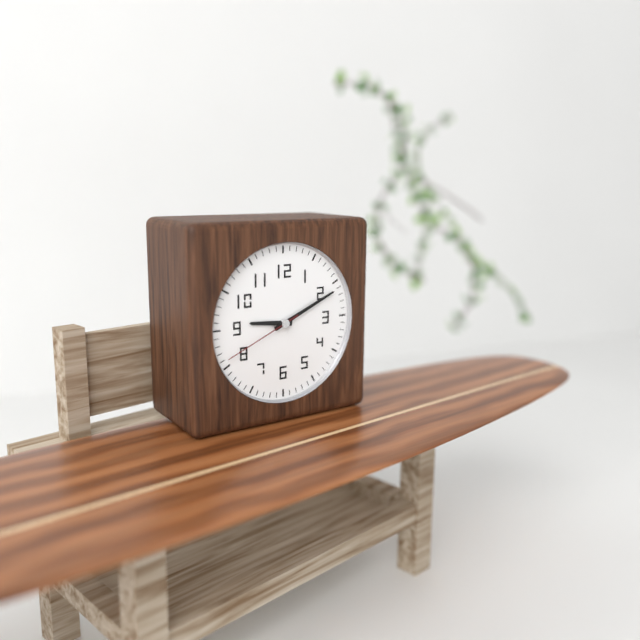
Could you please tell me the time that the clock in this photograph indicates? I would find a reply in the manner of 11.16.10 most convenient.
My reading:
9.11.41
